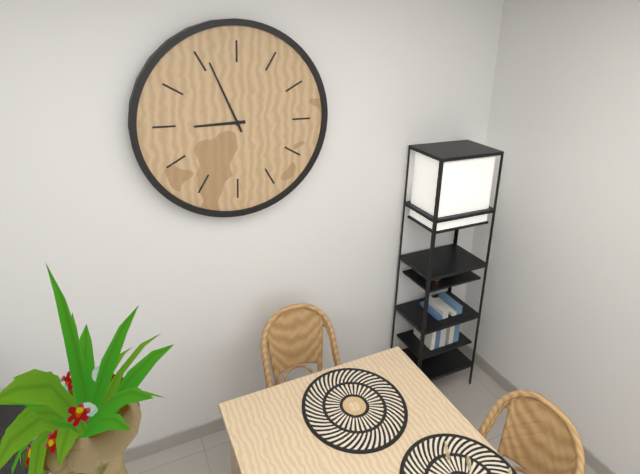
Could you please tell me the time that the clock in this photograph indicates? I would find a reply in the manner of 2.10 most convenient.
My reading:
8.56
